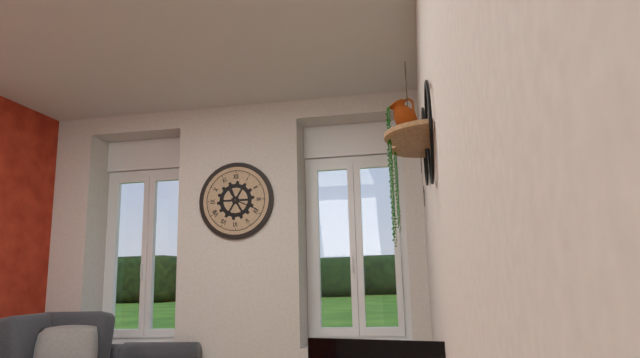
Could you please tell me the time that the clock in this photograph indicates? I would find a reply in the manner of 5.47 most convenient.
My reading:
11.19
